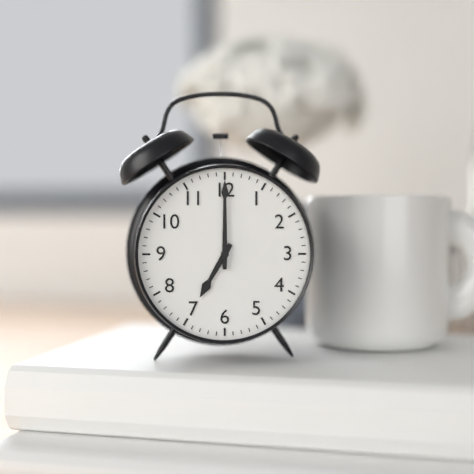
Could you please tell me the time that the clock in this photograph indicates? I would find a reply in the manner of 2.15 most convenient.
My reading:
7.00
